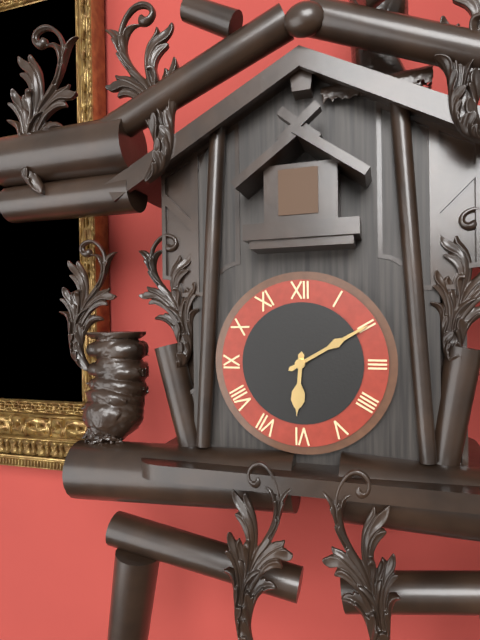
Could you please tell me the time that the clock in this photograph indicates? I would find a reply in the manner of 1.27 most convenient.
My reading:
6.10
